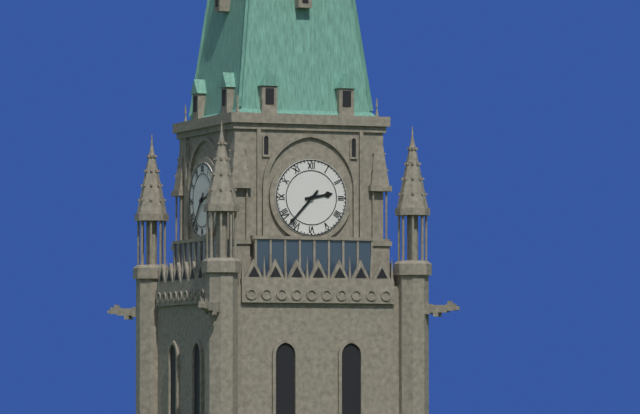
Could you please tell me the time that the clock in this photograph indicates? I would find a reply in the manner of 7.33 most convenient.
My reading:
2.37
